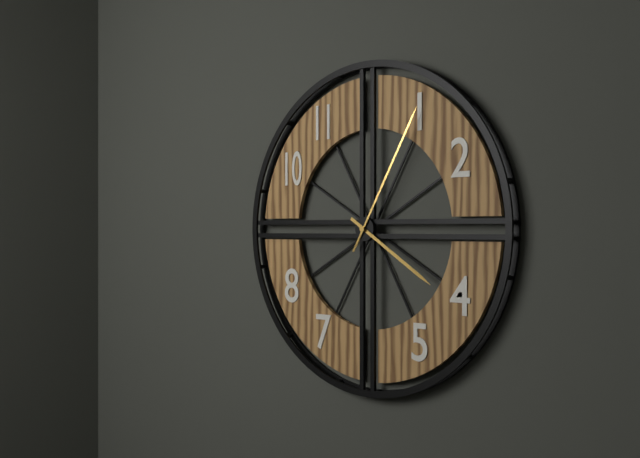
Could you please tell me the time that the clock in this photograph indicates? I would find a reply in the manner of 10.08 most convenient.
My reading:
4.05
